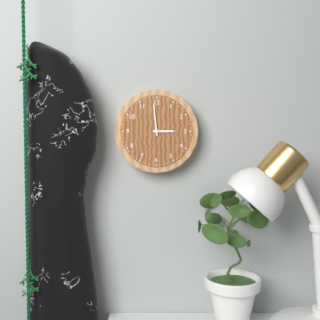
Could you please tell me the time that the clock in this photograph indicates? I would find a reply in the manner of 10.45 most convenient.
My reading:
2.59
